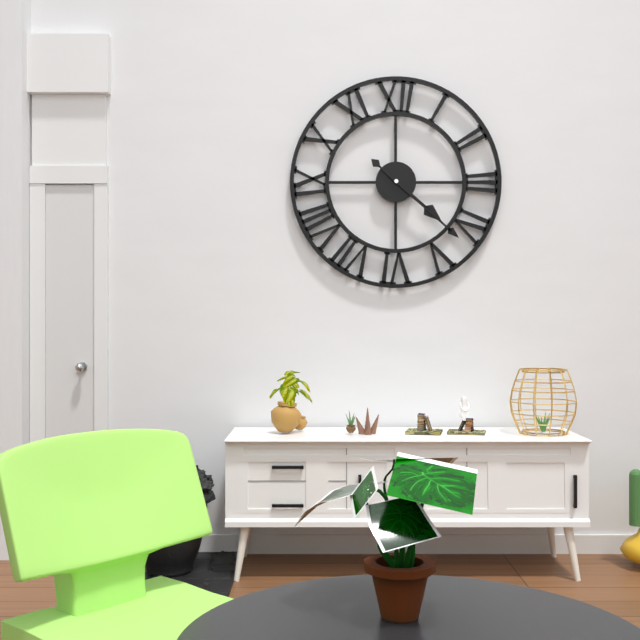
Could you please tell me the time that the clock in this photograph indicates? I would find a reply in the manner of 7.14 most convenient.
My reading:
4.22
